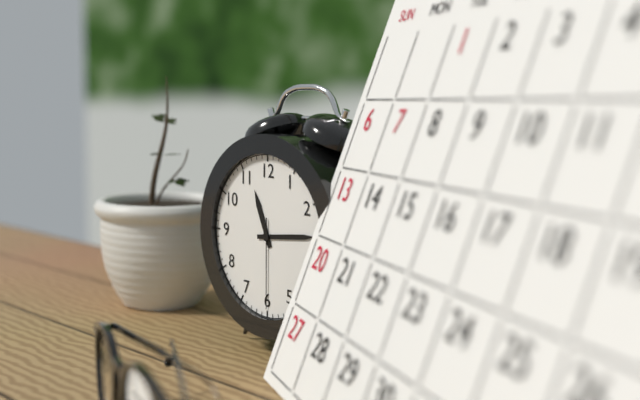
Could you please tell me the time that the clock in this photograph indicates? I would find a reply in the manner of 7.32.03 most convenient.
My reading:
11.14.30
